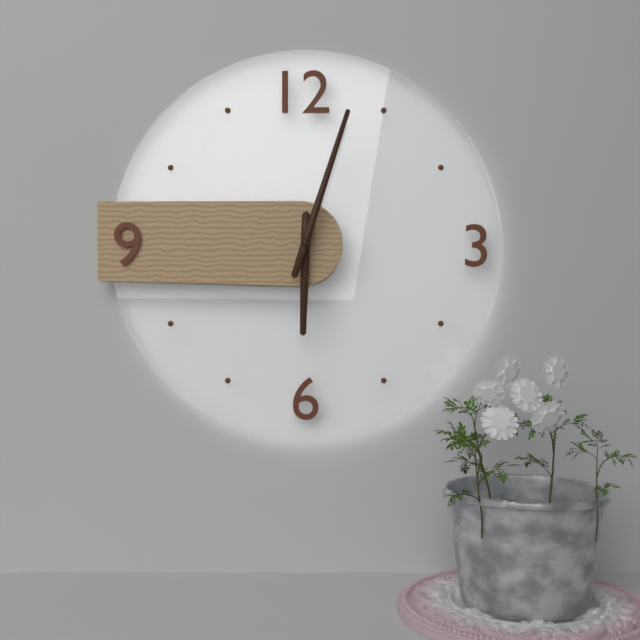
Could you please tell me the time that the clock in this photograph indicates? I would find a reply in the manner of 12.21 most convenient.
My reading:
6.03
